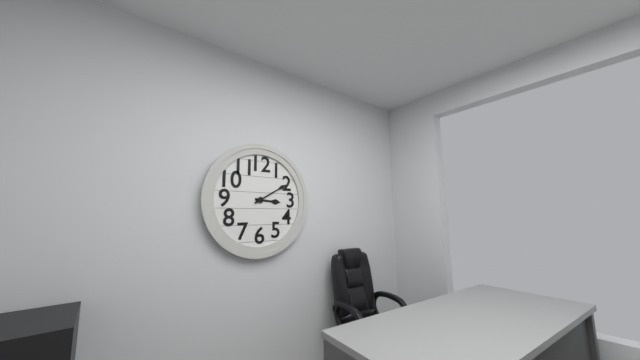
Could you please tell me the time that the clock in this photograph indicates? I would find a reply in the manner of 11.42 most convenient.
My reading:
3.10
